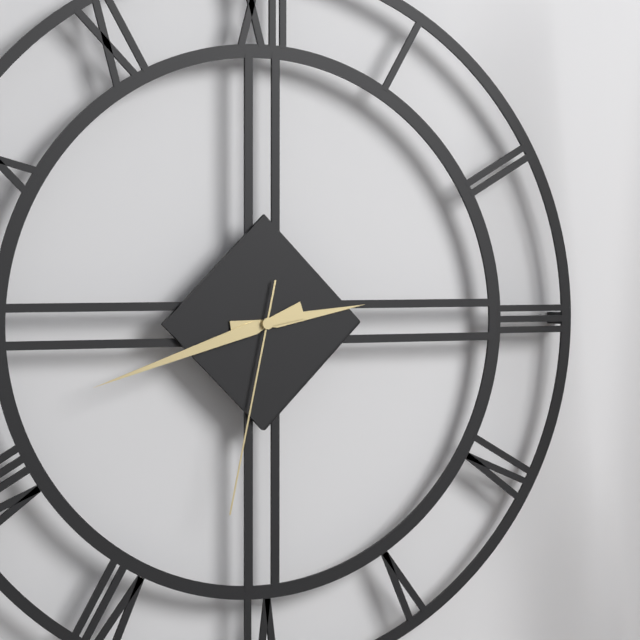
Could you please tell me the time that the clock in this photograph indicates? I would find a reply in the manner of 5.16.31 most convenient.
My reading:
2.42.32
